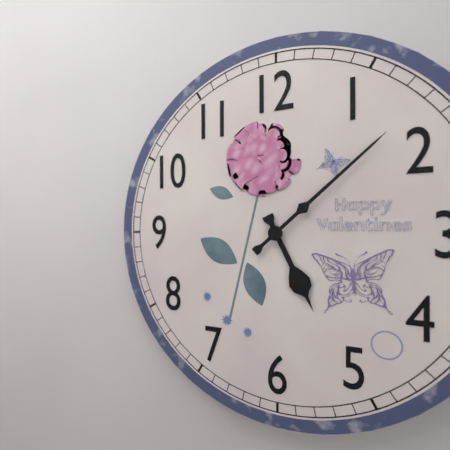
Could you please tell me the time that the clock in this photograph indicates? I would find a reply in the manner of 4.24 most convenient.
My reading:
5.08
